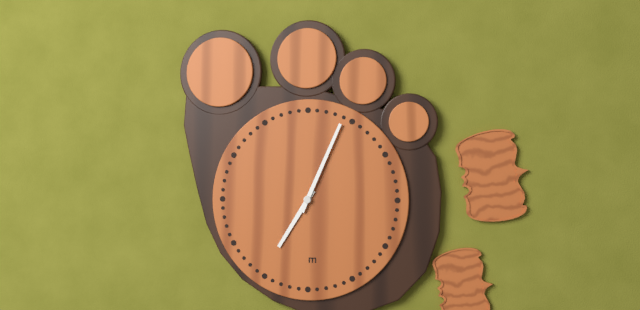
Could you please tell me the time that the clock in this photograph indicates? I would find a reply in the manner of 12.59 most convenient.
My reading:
7.04
